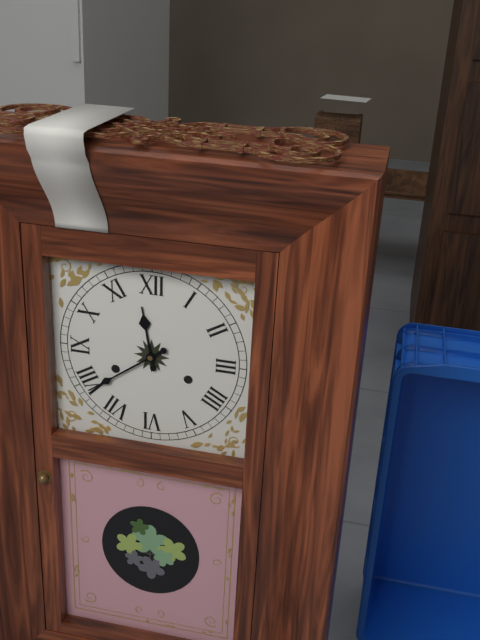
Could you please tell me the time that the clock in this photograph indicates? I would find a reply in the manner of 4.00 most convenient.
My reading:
11.39
